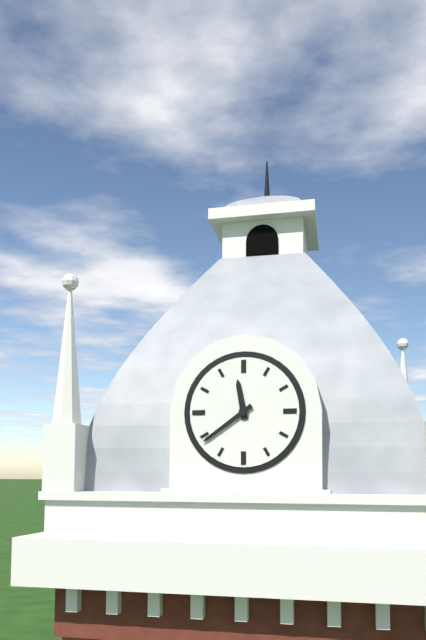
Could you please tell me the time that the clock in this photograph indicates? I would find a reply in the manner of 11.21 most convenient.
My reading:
11.39
